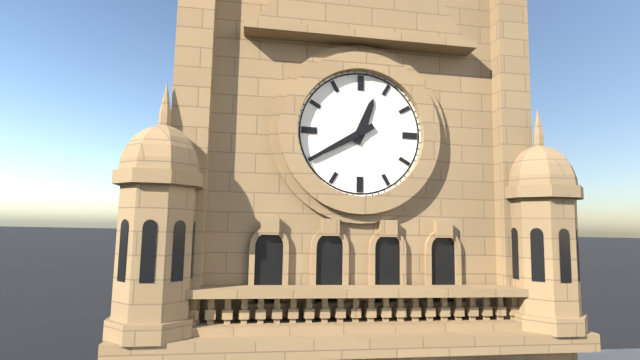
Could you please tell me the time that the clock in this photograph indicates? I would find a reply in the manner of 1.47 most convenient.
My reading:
12.40
